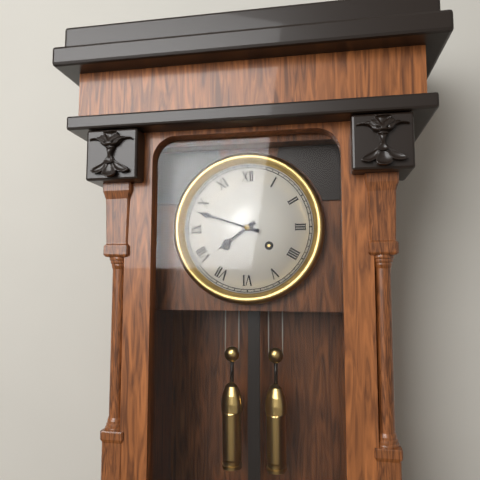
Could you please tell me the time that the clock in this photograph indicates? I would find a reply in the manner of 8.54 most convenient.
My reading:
7.48
